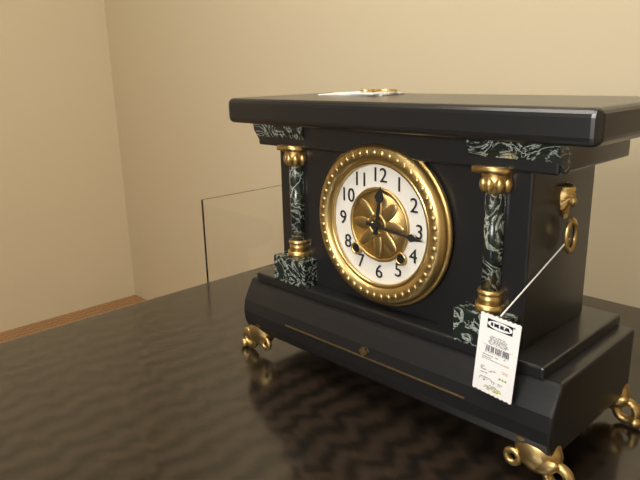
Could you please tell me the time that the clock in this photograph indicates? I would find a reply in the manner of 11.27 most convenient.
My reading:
12.16
